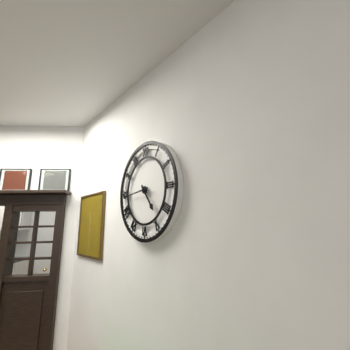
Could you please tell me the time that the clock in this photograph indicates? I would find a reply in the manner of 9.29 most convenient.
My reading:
4.44
